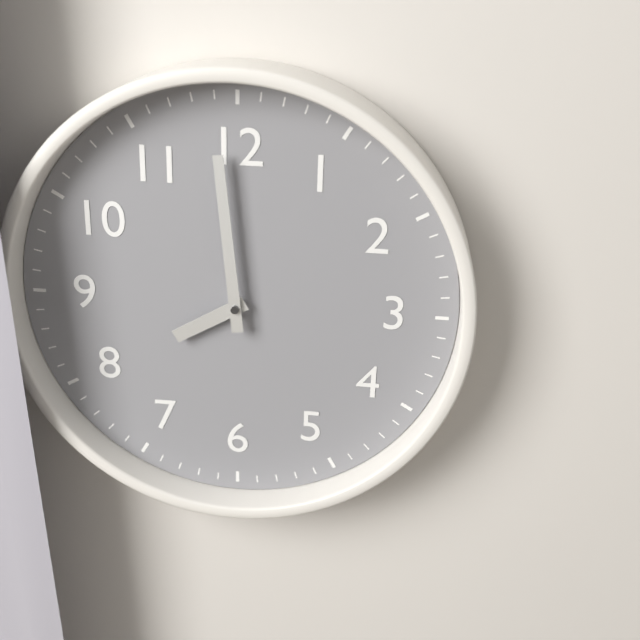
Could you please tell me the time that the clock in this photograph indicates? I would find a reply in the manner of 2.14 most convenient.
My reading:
7.59
